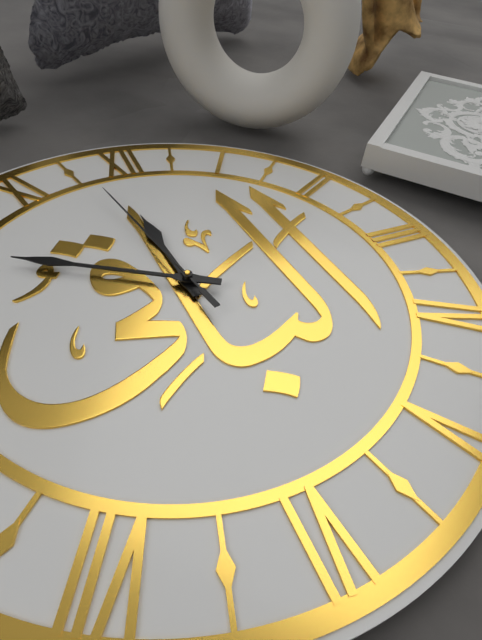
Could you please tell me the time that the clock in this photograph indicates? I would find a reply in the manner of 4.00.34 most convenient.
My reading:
11.50.58
